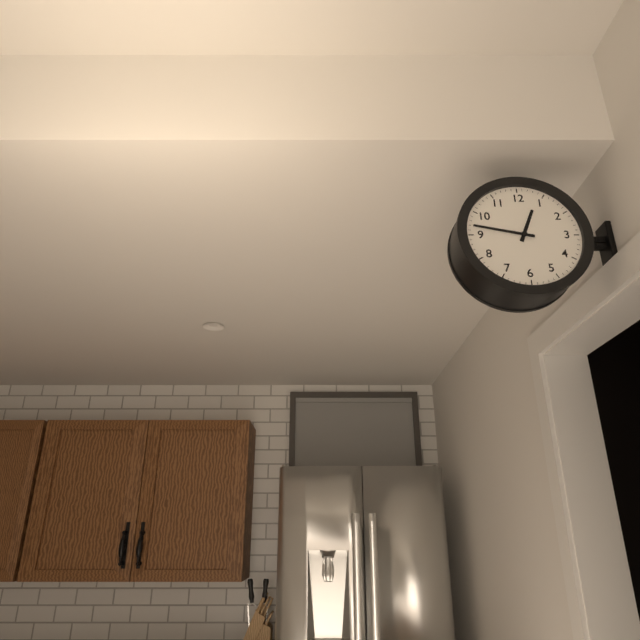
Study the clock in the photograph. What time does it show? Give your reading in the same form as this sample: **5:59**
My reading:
**12:47**
